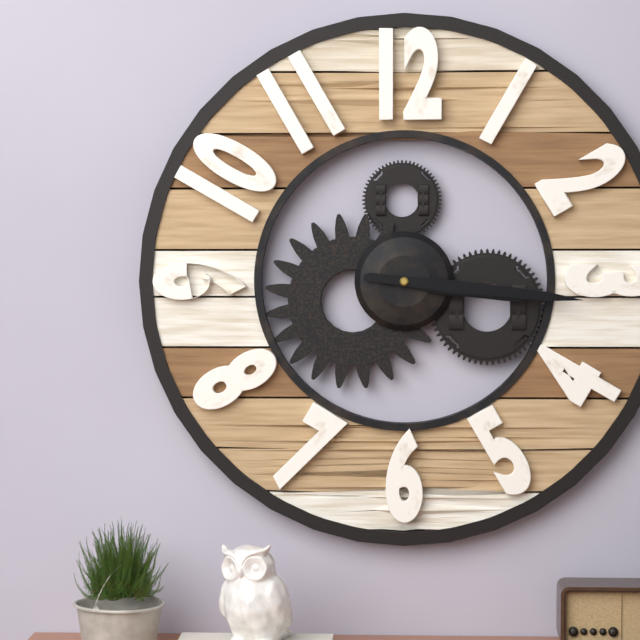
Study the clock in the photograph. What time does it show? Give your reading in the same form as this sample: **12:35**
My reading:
**3:16**
